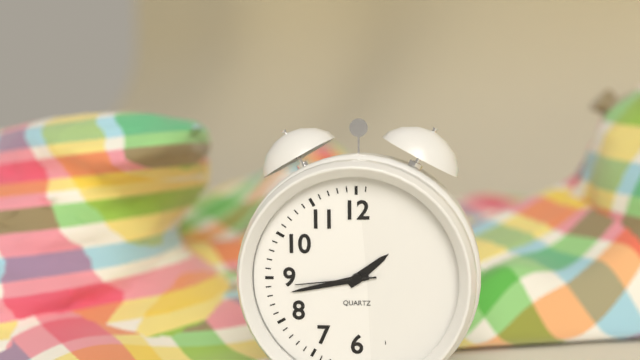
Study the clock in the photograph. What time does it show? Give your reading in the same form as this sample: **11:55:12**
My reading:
**1:43:44**
